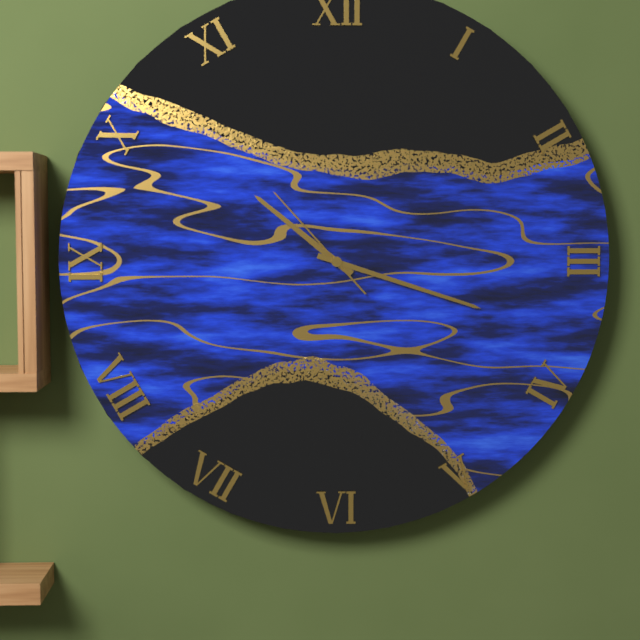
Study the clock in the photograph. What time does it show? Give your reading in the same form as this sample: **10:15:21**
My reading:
**10:18:53**
